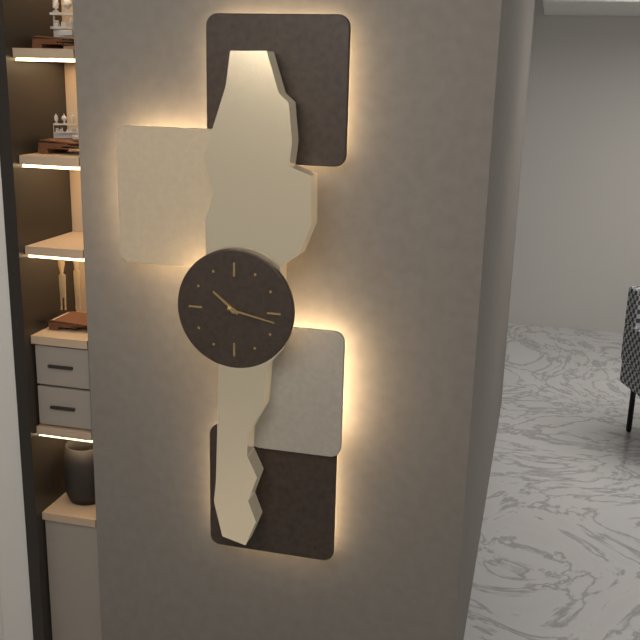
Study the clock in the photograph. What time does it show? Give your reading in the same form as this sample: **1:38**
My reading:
**10:17**
